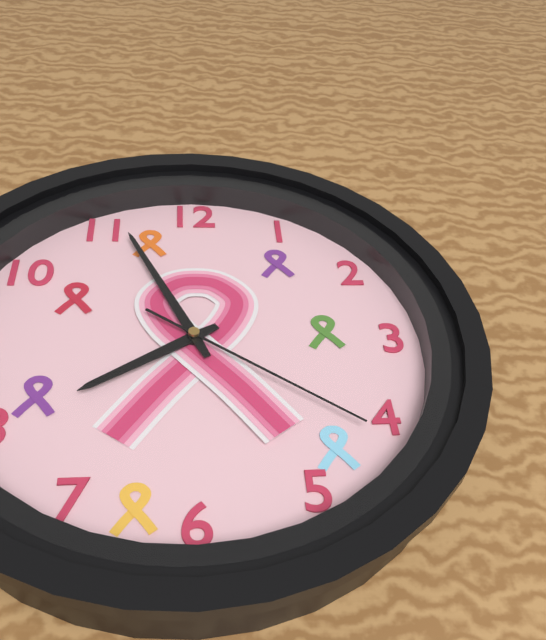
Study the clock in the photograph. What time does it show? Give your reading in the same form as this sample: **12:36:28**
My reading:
**7:56:21**
